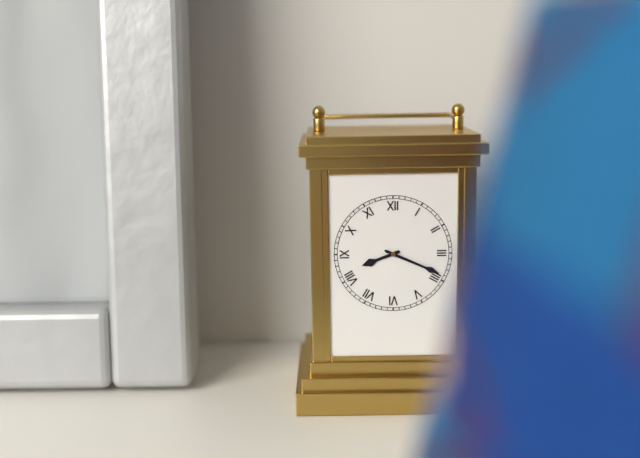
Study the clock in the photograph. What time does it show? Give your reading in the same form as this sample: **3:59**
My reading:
**8:19**
